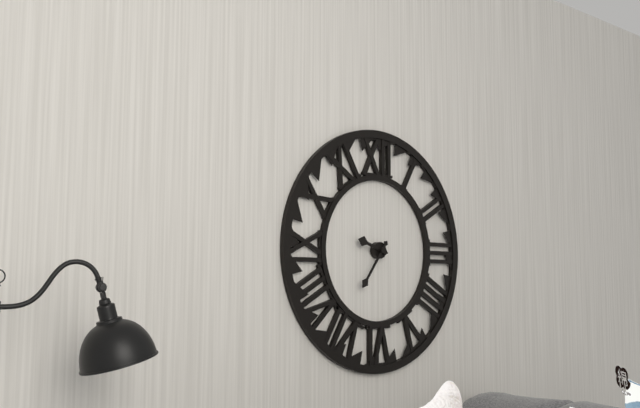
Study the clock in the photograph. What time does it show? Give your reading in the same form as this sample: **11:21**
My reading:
**9:36**
